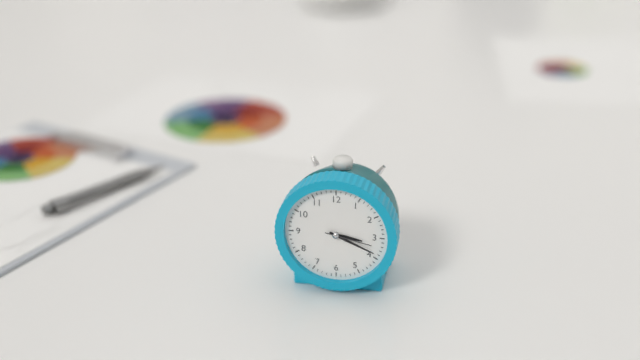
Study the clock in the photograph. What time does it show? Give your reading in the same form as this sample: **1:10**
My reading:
**3:19**
